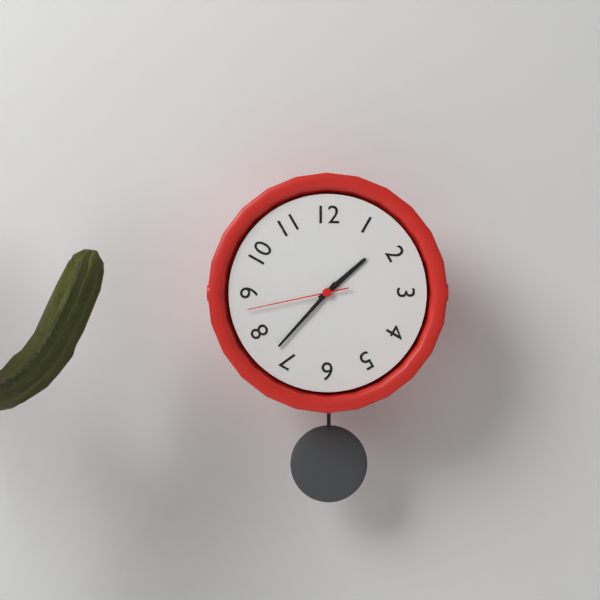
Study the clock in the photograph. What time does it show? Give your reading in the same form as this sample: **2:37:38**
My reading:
**1:37:43**
